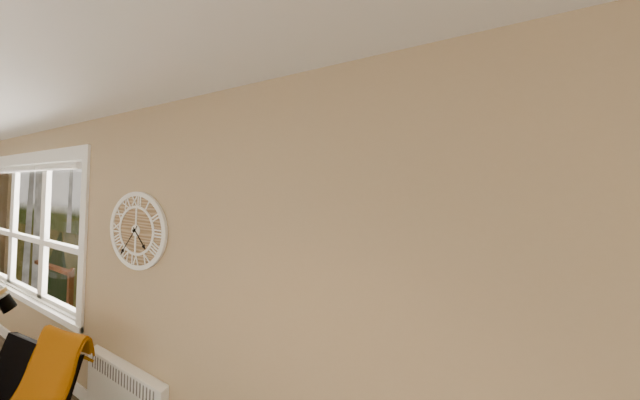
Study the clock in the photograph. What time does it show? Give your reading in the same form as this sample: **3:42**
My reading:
**4:36**
